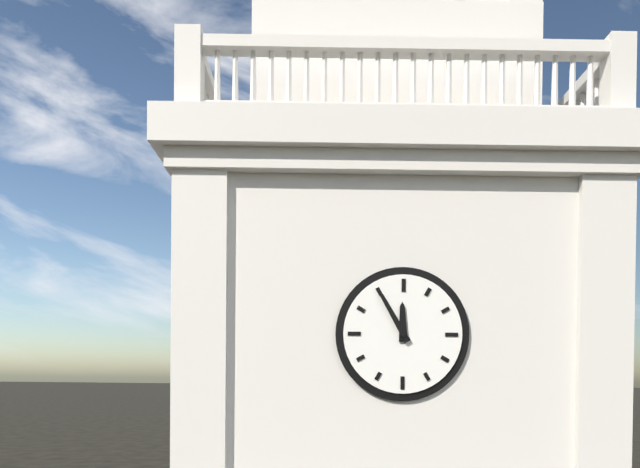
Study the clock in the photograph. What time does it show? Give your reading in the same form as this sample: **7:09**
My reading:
**11:55**
